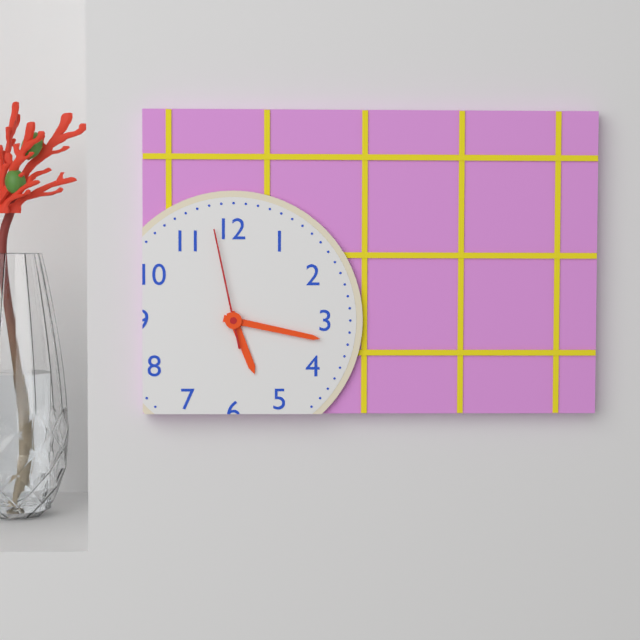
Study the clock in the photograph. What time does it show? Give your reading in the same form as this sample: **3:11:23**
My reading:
**5:17:58**
